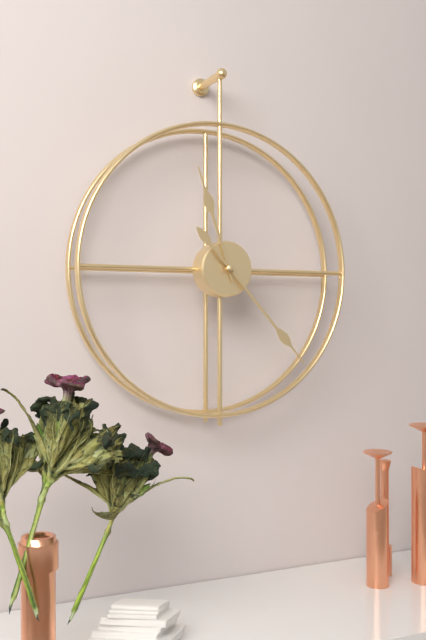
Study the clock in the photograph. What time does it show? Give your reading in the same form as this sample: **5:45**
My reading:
**11:23**
